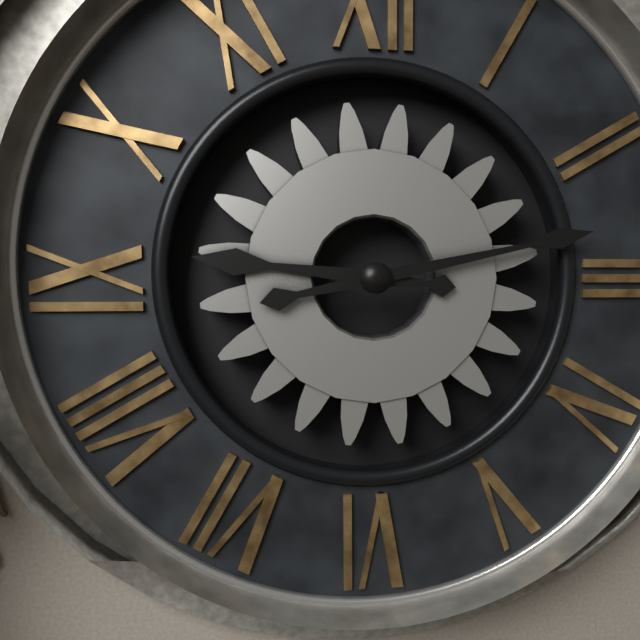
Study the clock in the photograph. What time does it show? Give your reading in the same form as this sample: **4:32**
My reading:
**9:13**
